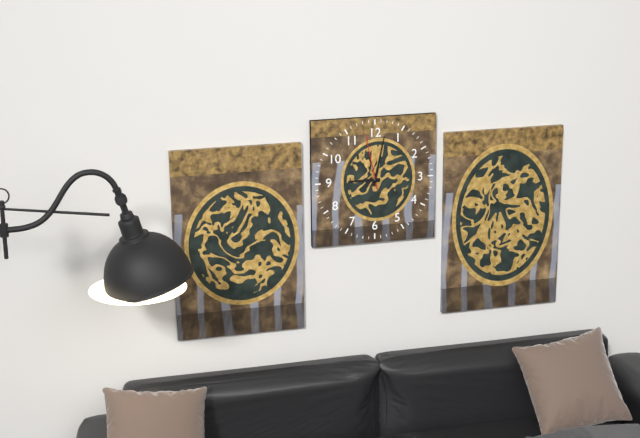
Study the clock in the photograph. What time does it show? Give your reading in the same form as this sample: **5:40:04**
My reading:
**9:02:58**
